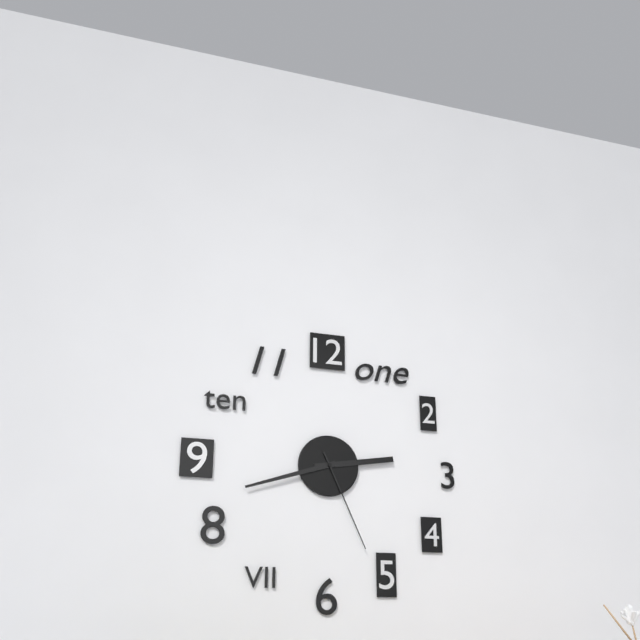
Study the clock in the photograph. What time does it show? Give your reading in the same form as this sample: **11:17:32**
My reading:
**2:42:26**
